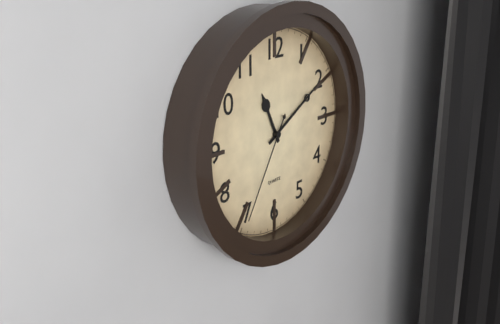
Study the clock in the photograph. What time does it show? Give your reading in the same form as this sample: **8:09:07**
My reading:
**11:10:35**
